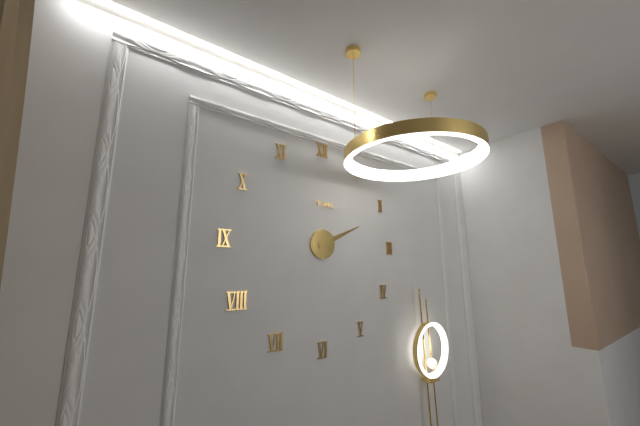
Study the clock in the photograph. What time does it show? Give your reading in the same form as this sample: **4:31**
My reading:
**2:11**
